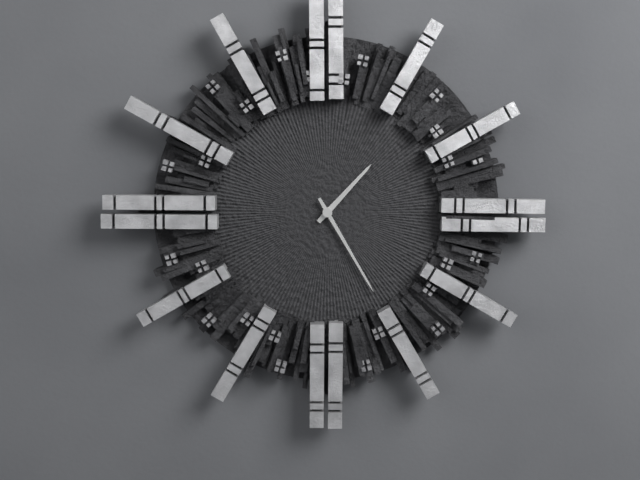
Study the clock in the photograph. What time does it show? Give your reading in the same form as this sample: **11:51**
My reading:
**1:25**
